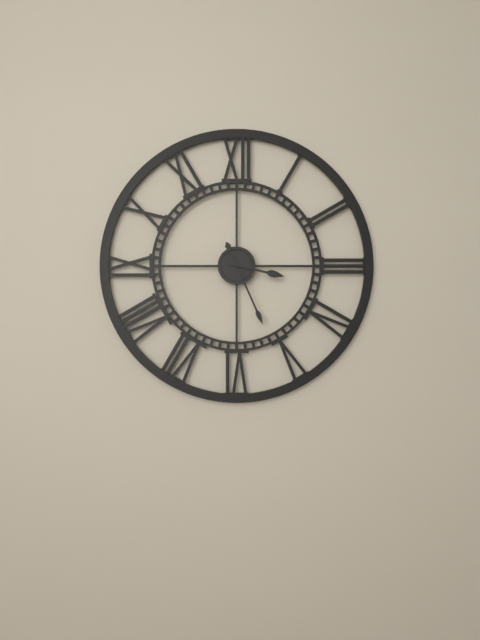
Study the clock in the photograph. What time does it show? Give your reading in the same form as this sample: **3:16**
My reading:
**3:26**
